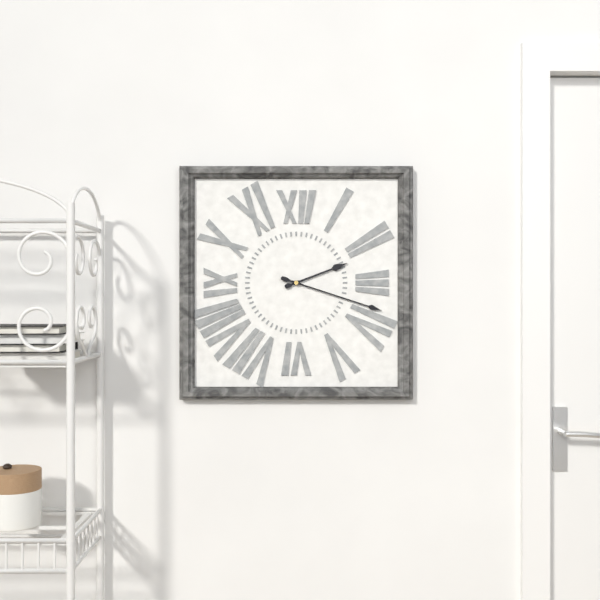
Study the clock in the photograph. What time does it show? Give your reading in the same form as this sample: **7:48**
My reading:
**2:18**
